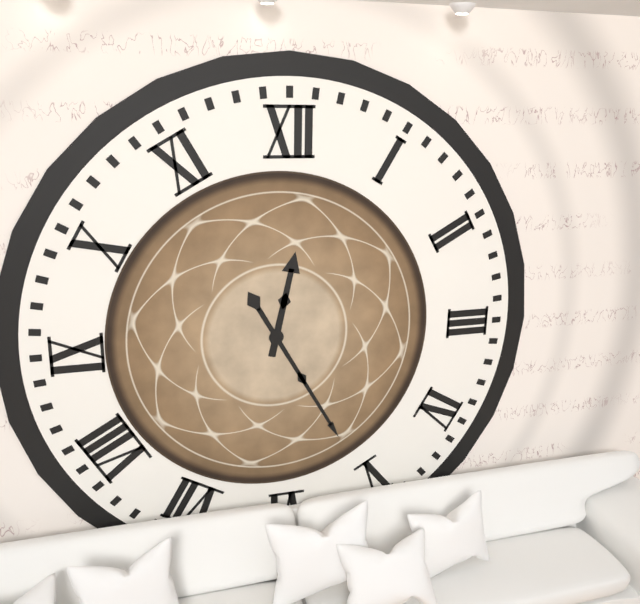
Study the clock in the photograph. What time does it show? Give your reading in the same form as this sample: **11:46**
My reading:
**12:25**
